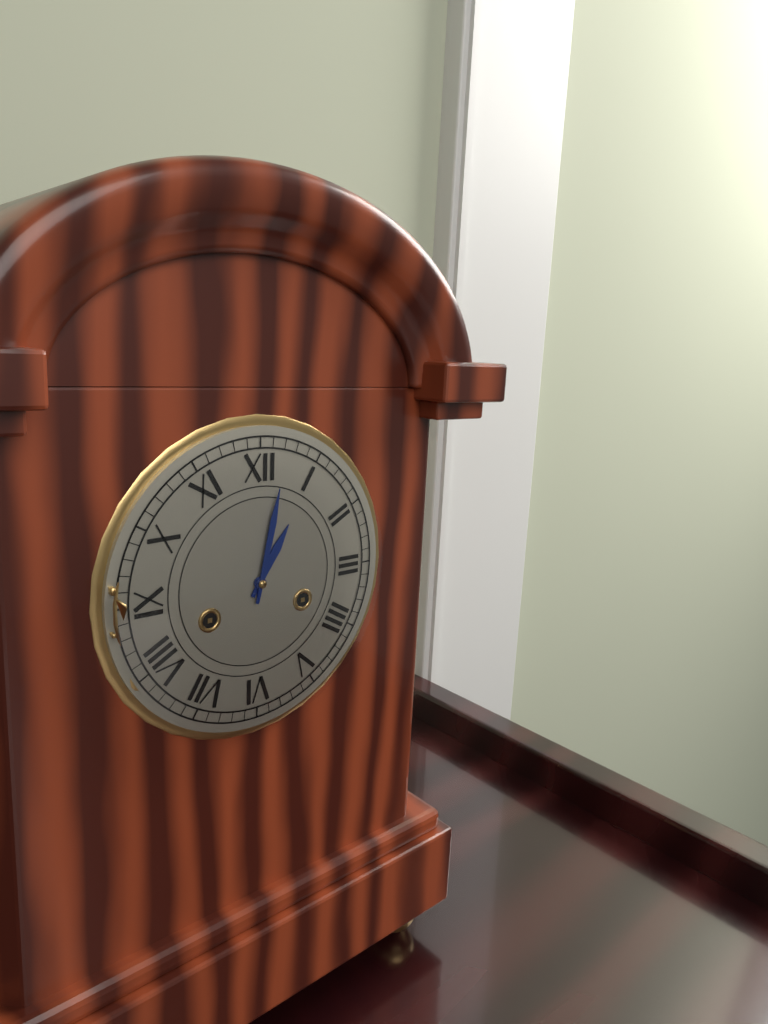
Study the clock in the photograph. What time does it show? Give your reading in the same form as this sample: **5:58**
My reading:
**1:02**
